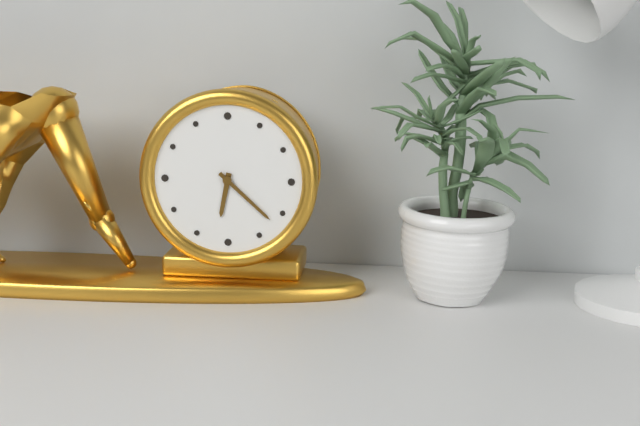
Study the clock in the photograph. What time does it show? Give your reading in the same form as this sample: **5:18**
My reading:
**6:22**
